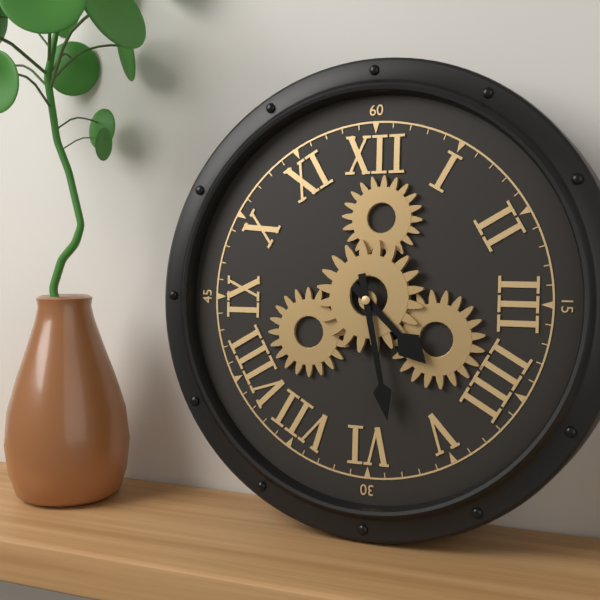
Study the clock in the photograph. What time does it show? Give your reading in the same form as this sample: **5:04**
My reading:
**4:28**
